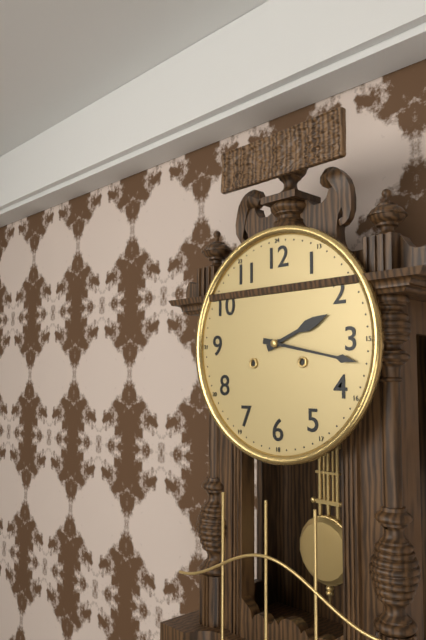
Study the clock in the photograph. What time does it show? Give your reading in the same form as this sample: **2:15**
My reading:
**2:17**
